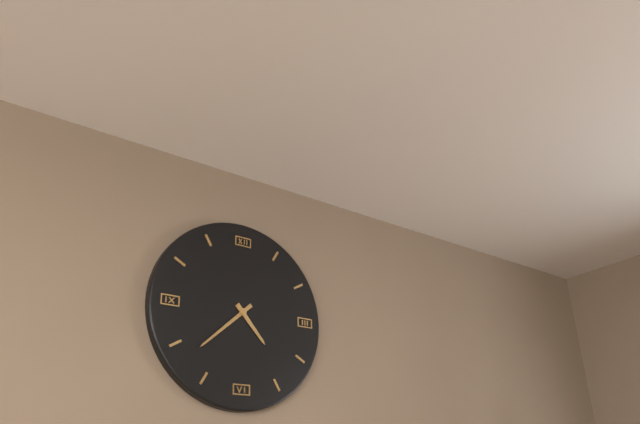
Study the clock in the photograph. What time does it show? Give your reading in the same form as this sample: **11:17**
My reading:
**4:38**
